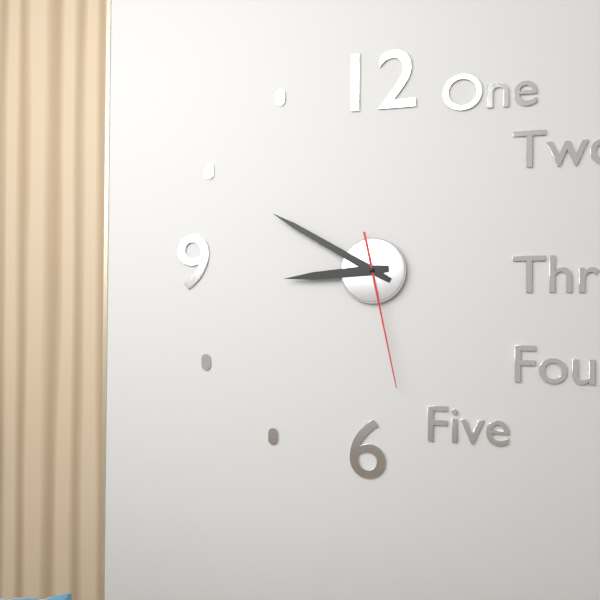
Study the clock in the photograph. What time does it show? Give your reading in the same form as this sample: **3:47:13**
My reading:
**8:50:28**
